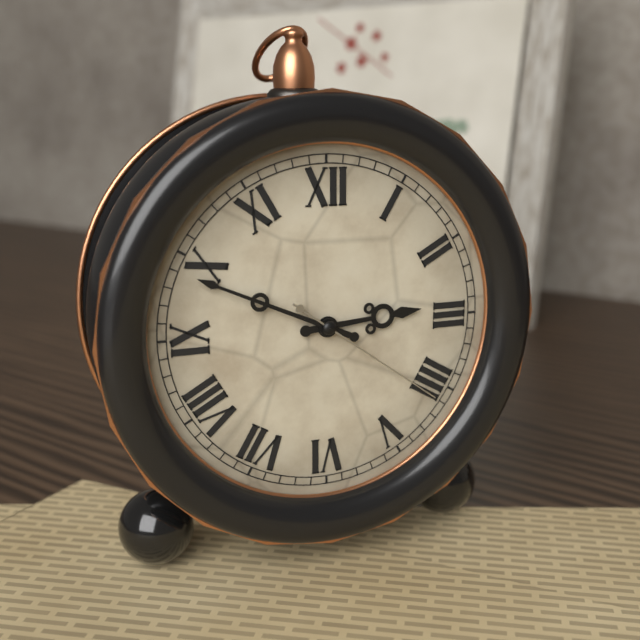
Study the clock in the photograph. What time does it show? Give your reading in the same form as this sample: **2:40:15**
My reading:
**2:49:21**
